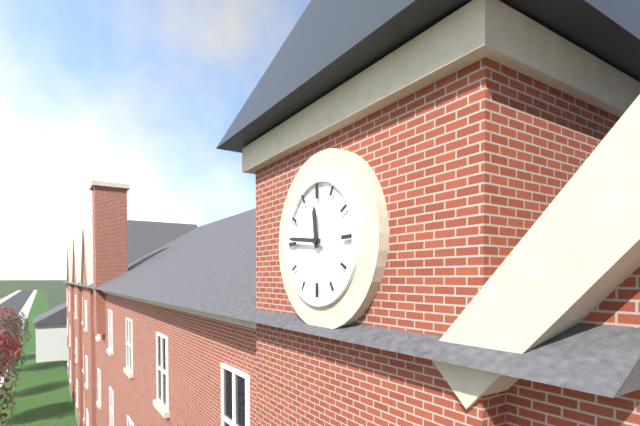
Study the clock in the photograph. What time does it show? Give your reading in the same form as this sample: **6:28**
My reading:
**11:46**
